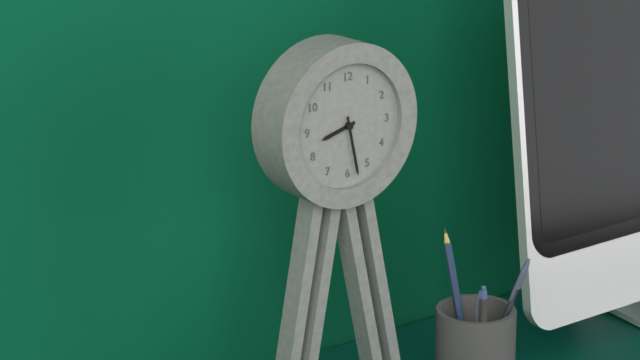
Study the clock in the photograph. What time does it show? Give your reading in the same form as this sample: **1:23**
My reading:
**8:28**
